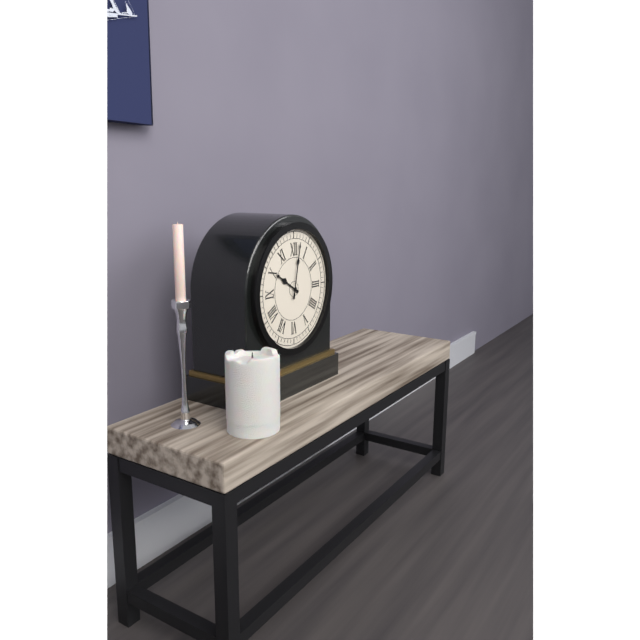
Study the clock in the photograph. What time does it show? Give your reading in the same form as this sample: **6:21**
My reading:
**10:02**
